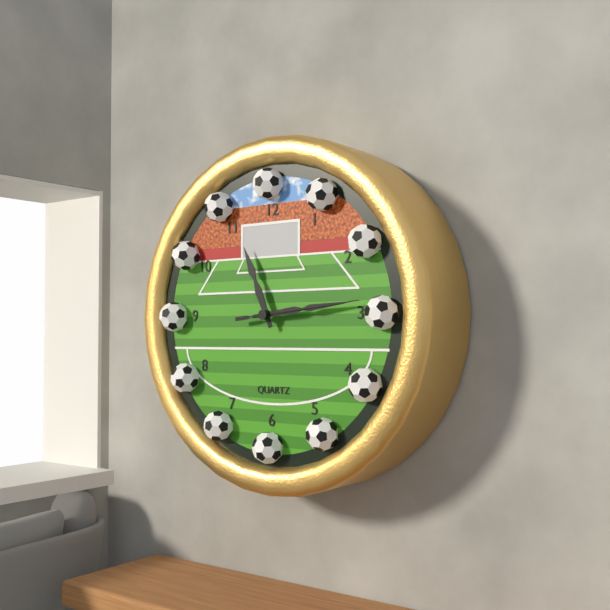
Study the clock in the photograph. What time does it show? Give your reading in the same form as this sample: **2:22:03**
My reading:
**11:14:14**
